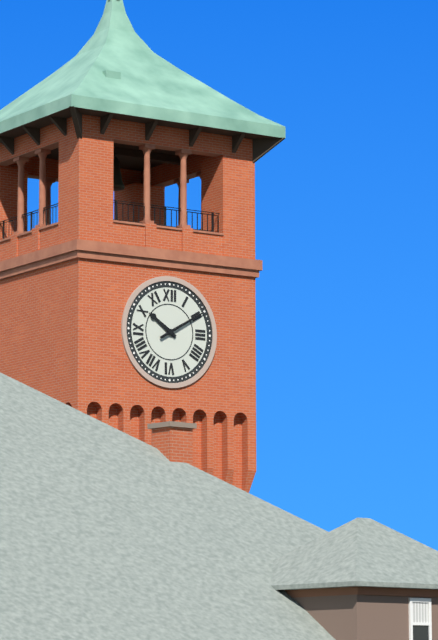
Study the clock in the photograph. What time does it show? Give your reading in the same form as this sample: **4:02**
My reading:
**10:10**
